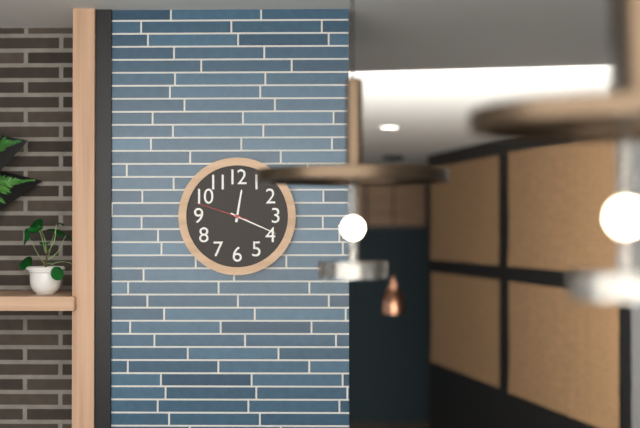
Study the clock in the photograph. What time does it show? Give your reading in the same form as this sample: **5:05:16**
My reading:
**12:19:48**
